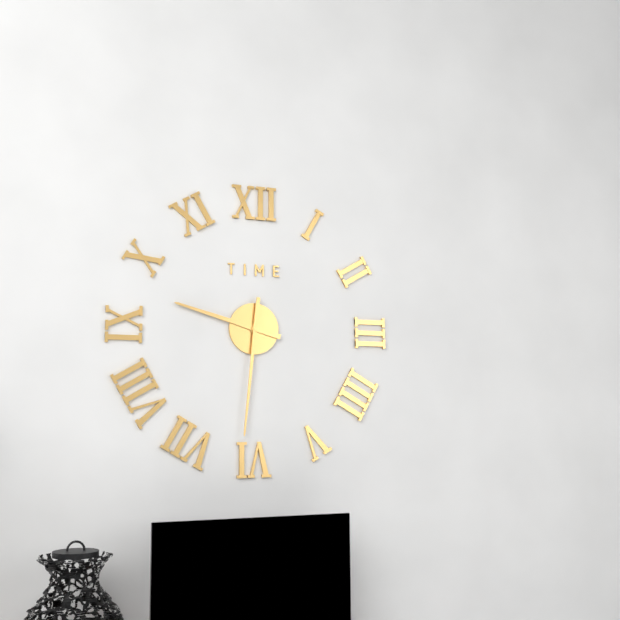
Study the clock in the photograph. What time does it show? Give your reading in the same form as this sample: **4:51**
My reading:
**9:31**
